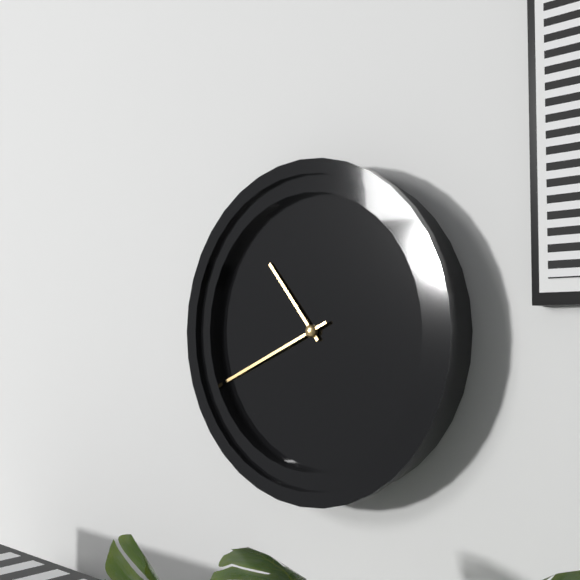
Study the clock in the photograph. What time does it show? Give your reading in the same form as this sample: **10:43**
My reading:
**10:41**
